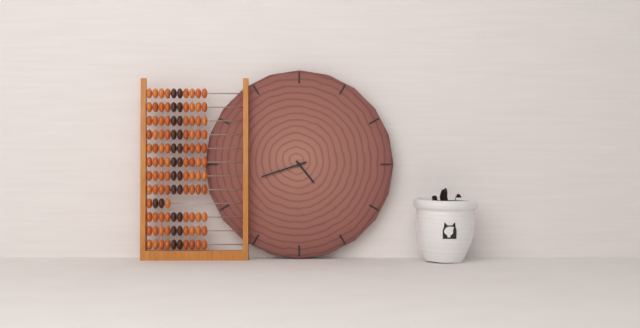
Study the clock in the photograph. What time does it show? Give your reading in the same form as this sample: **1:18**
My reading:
**4:42**
